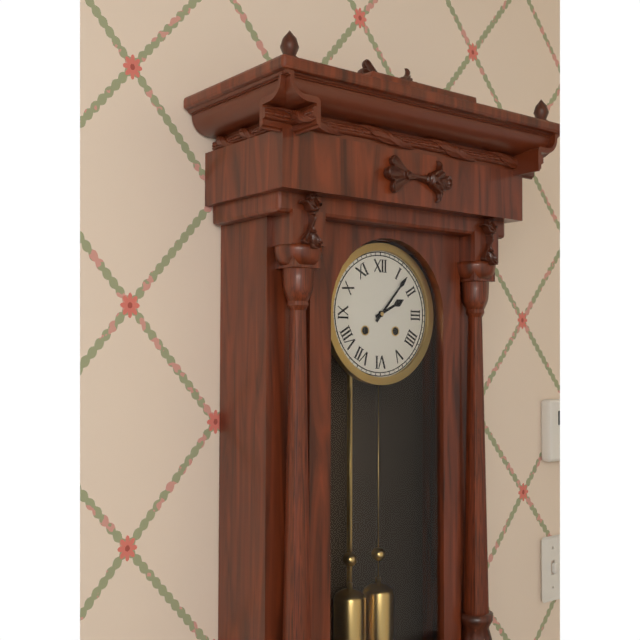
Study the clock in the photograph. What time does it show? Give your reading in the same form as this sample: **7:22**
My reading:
**2:07**
